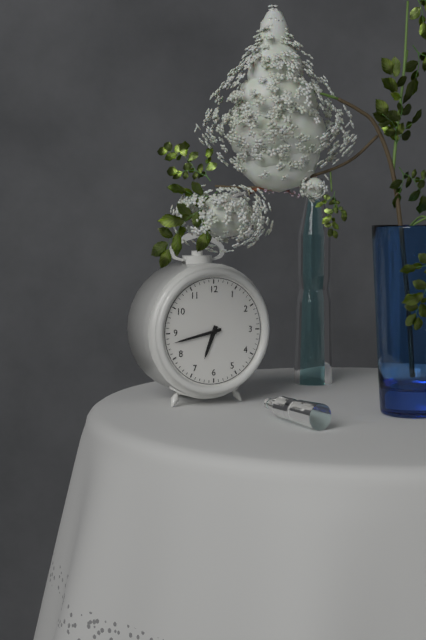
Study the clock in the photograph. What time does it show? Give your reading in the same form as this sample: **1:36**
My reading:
**6:43**
